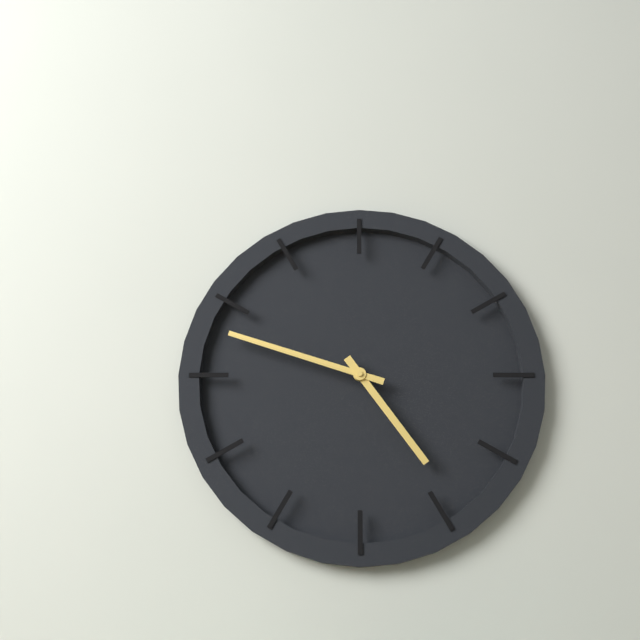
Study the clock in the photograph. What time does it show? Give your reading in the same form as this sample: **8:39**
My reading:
**4:48**
